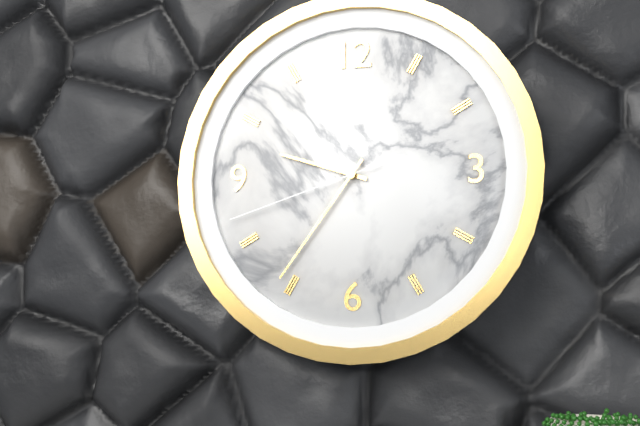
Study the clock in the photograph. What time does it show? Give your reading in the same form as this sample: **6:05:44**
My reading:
**9:36:42**
